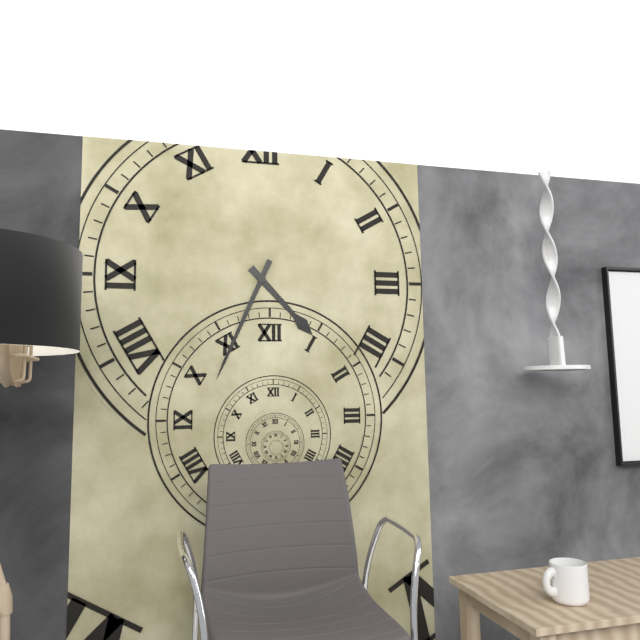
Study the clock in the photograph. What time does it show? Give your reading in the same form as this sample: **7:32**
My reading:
**4:34**
